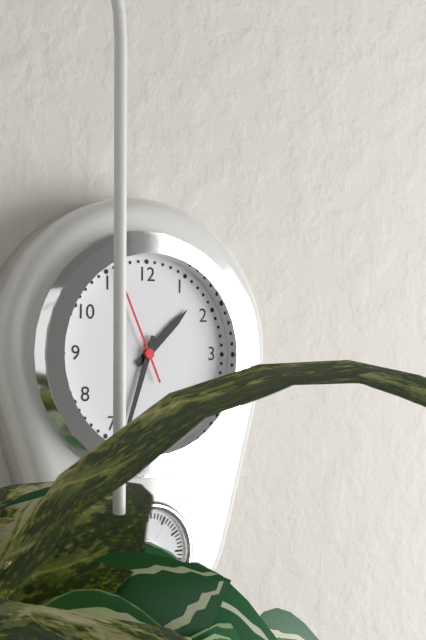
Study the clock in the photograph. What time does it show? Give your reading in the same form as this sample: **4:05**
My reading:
**1:33**
